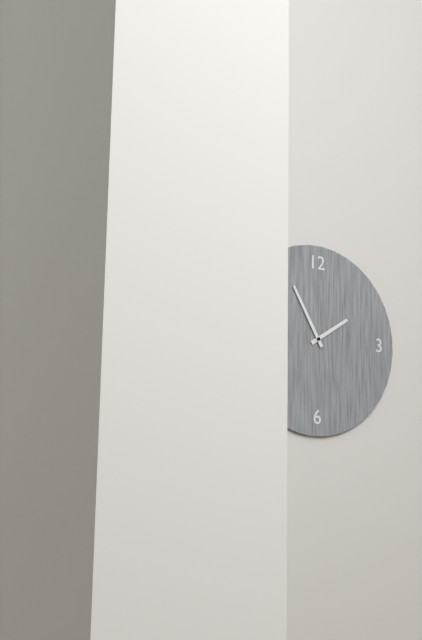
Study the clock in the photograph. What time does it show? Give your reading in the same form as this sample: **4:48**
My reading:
**1:55**
